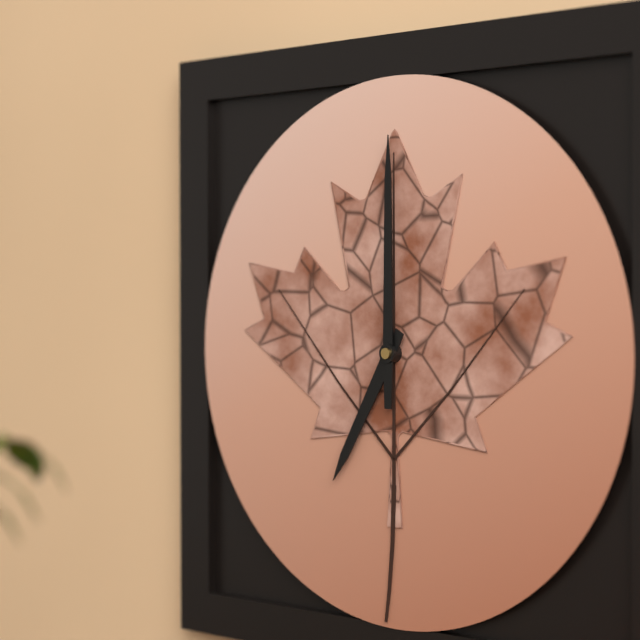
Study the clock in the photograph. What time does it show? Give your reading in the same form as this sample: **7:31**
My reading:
**7:00**
